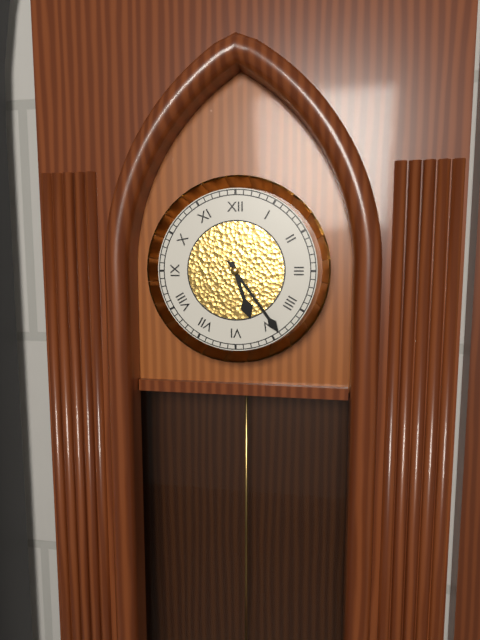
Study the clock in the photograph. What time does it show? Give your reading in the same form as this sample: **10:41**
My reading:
**5:24**
